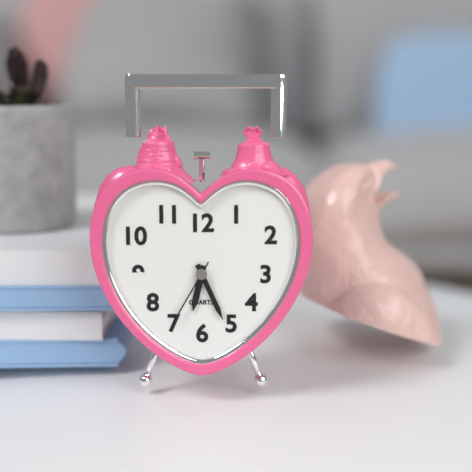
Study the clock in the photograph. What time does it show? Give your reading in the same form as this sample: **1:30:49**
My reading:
**6:26:35**
